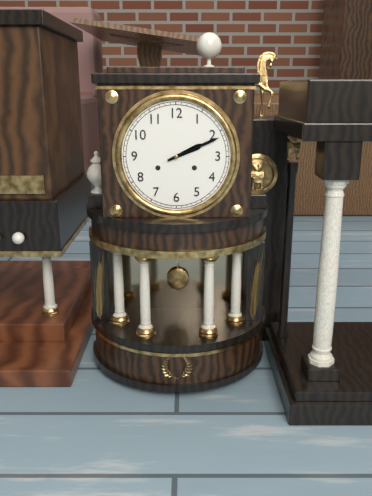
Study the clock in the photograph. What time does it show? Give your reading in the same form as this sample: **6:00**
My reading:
**2:11**
